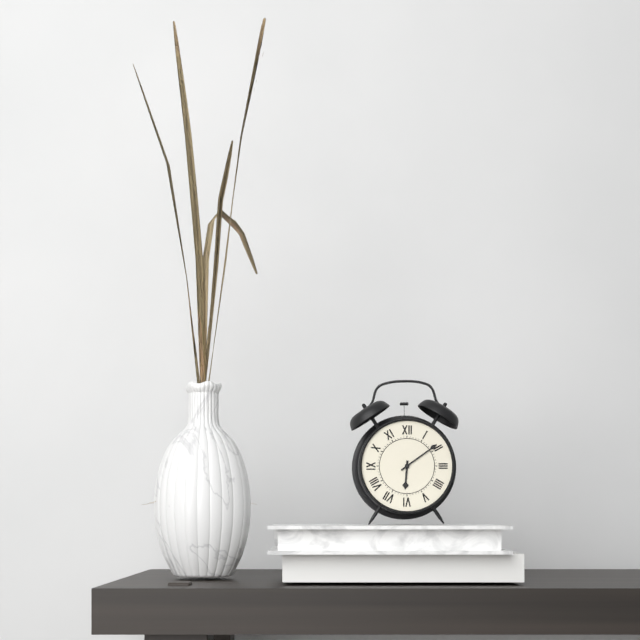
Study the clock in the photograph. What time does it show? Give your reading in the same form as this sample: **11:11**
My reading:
**6:09**
